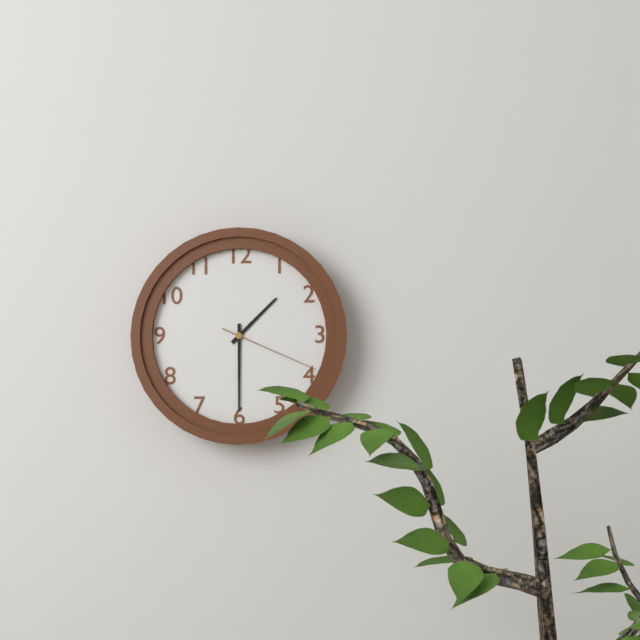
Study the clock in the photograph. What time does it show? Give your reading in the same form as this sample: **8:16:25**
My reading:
**1:30:19**
